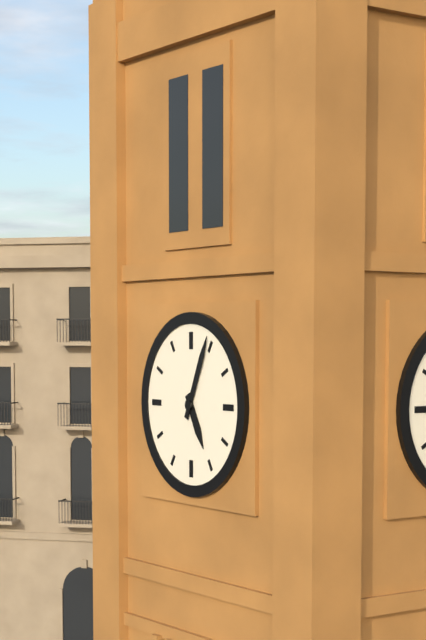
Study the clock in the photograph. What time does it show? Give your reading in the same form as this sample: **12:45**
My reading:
**5:04**
